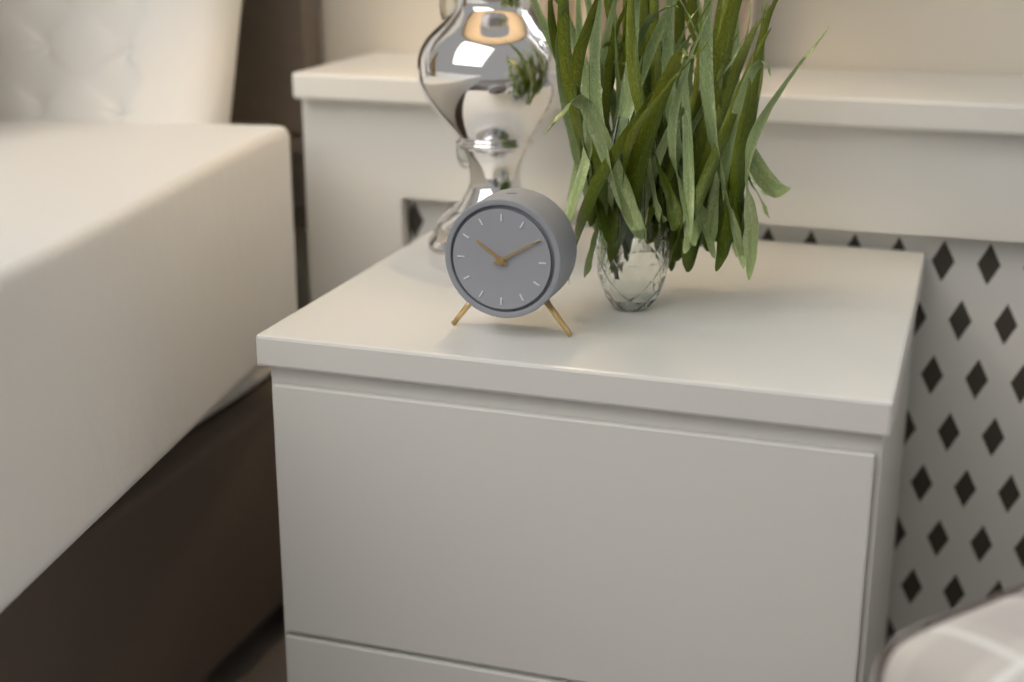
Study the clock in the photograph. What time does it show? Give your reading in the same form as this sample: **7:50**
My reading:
**10:10**
